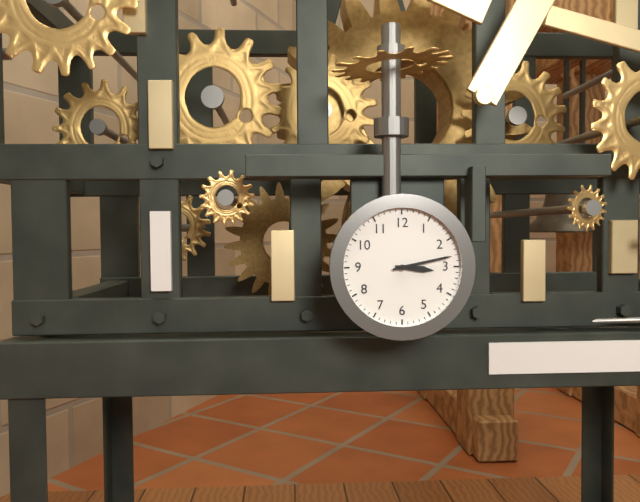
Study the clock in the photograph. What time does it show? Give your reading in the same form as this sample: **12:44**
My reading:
**3:13**
